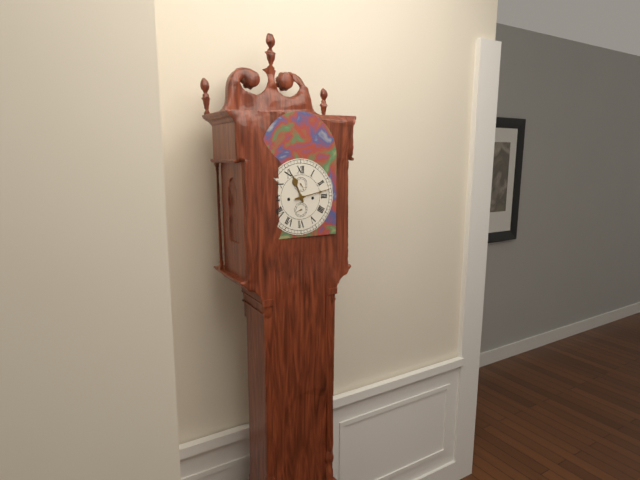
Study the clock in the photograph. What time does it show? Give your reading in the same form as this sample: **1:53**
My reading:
**11:13**
